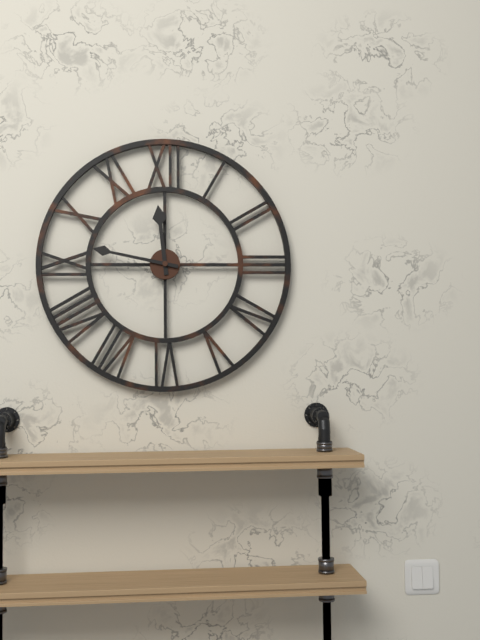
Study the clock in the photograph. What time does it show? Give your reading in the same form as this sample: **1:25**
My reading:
**11:47**
